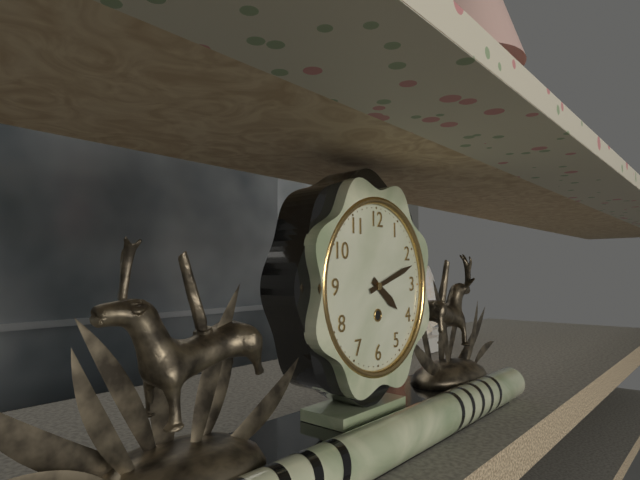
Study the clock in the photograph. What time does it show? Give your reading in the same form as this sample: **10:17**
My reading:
**4:12**
